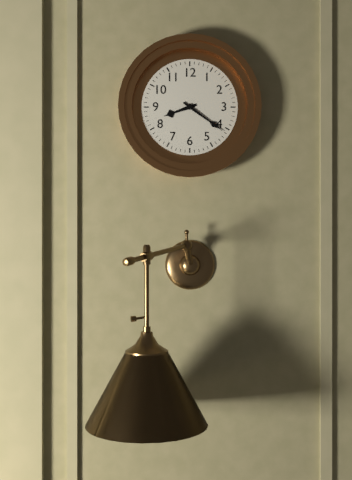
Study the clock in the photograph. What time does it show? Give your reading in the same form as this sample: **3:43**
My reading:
**8:21**
